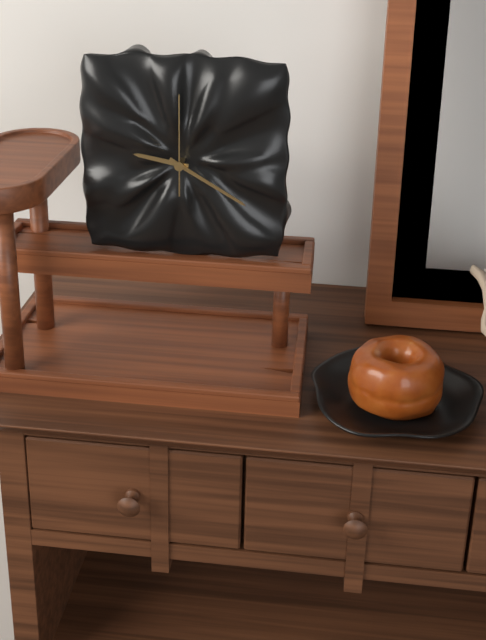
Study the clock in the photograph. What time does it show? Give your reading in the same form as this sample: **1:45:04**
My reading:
**9:20:00**
